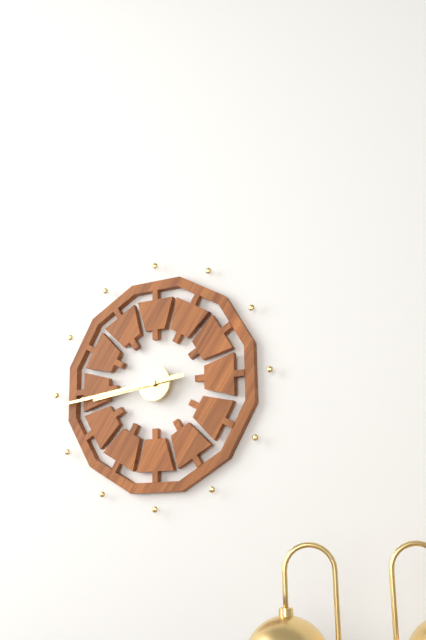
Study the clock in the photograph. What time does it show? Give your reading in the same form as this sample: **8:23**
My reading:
**8:44**
